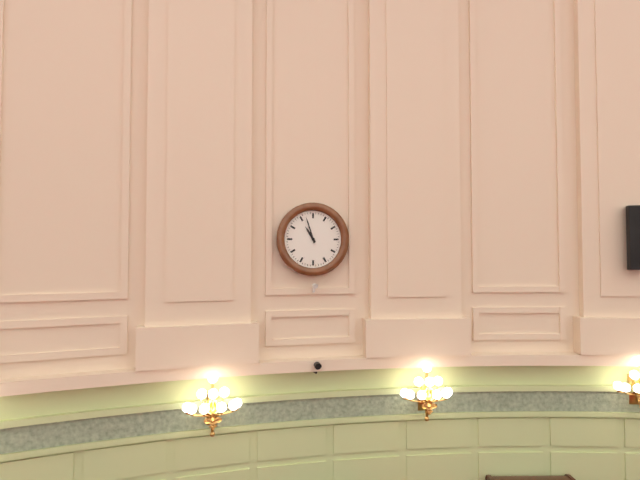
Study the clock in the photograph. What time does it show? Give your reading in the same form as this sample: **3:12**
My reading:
**10:57**
